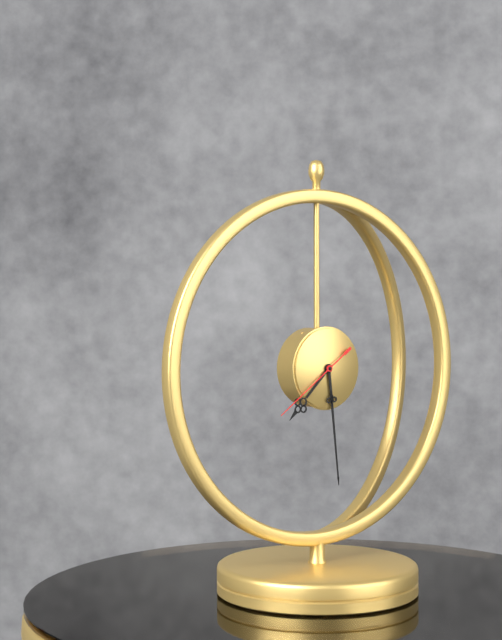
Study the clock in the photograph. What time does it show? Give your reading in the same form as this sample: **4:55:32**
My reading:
**7:29:39**
